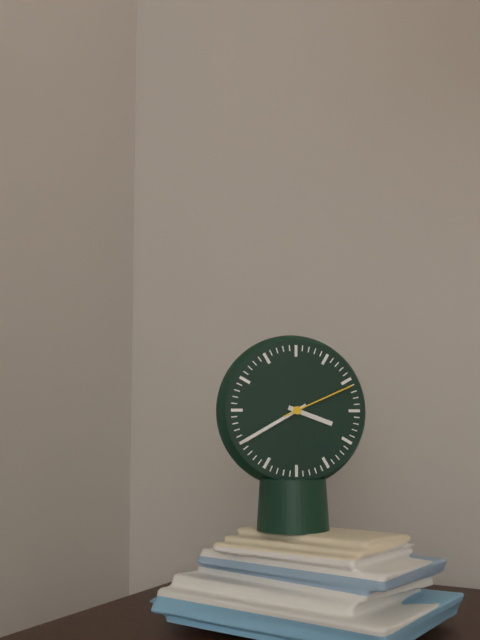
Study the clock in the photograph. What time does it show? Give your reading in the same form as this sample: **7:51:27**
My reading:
**3:40:11**
